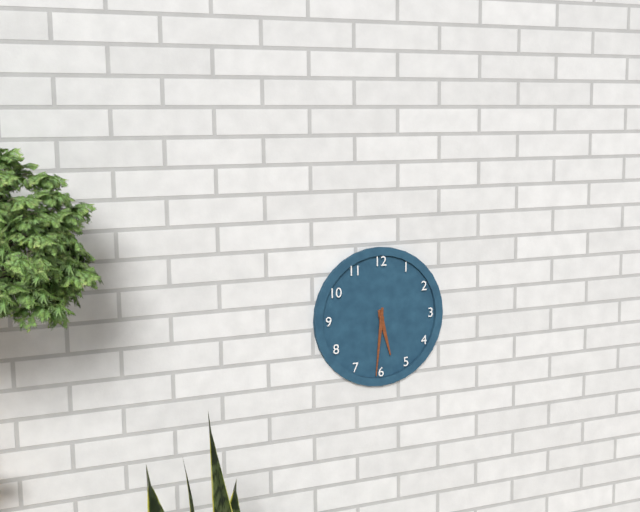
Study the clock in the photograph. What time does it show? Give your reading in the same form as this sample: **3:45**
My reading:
**5:31**
